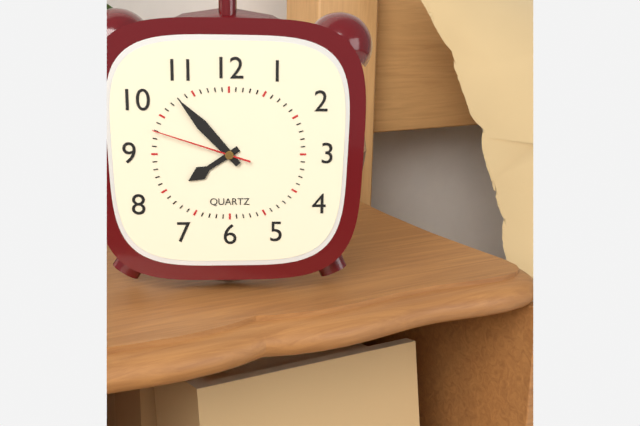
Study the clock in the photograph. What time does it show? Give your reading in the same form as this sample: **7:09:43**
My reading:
**7:53:48**
